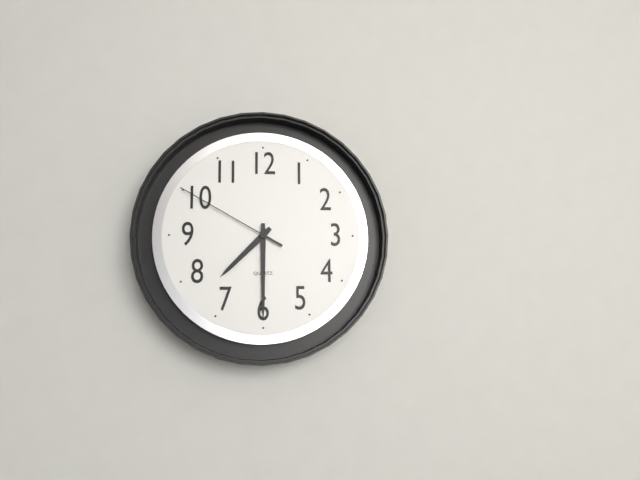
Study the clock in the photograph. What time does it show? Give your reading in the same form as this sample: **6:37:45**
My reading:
**7:30:50**
